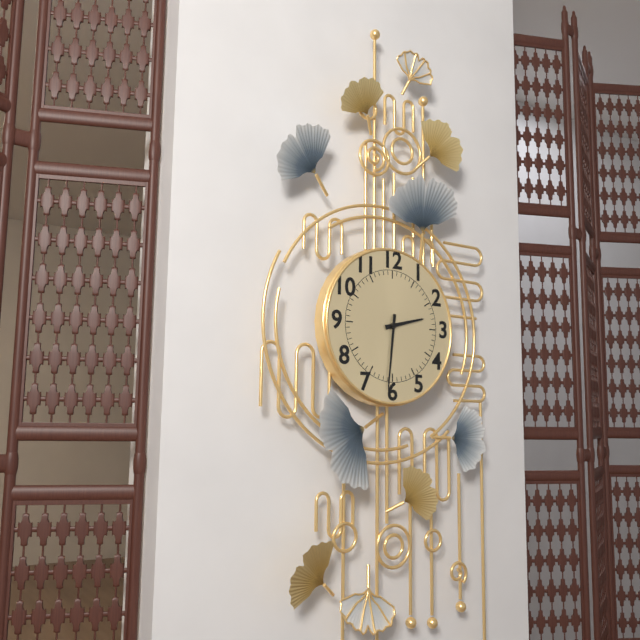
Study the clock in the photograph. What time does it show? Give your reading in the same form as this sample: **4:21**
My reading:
**2:31**
